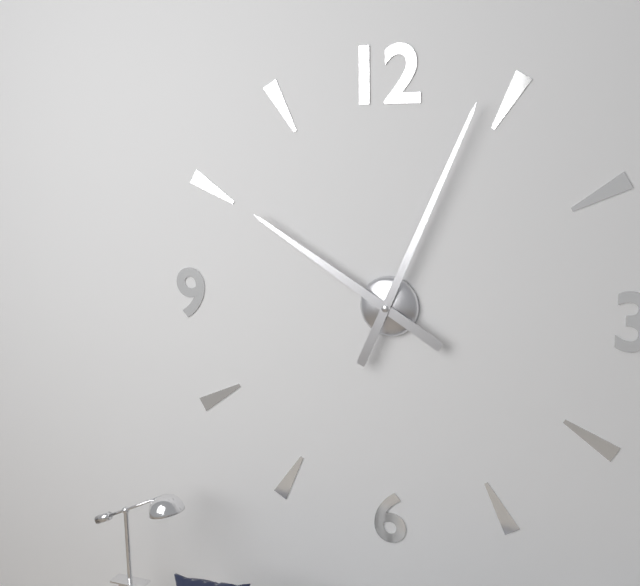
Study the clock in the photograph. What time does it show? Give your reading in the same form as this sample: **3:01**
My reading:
**10:04**
